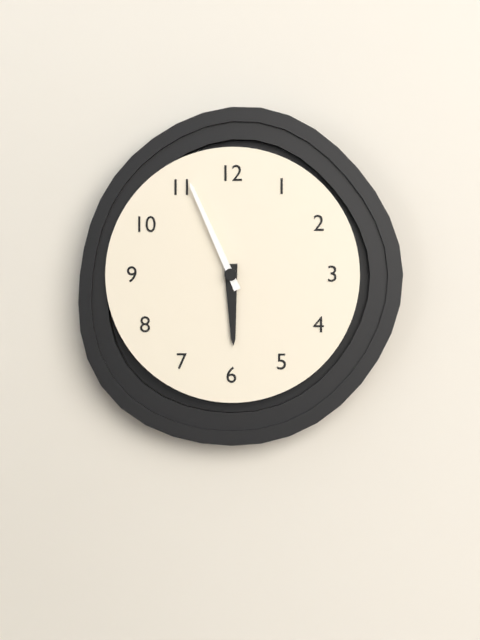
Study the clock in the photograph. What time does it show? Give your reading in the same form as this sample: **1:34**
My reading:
**5:56**
